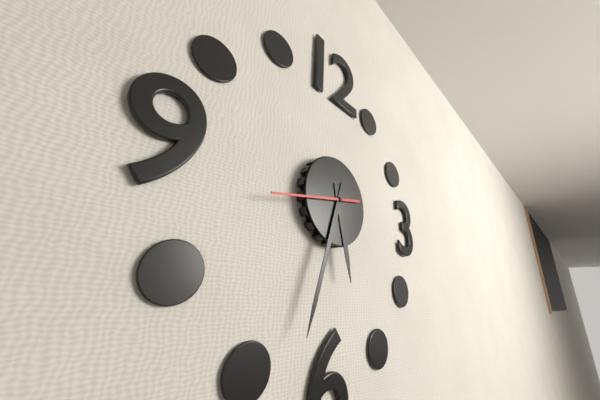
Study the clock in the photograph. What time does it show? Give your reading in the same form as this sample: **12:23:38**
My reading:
**5:33:43**
